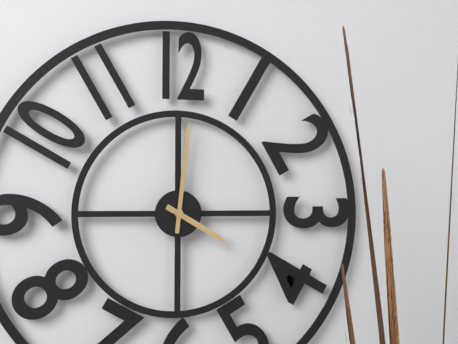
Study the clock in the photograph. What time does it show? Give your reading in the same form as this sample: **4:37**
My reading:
**4:01**
